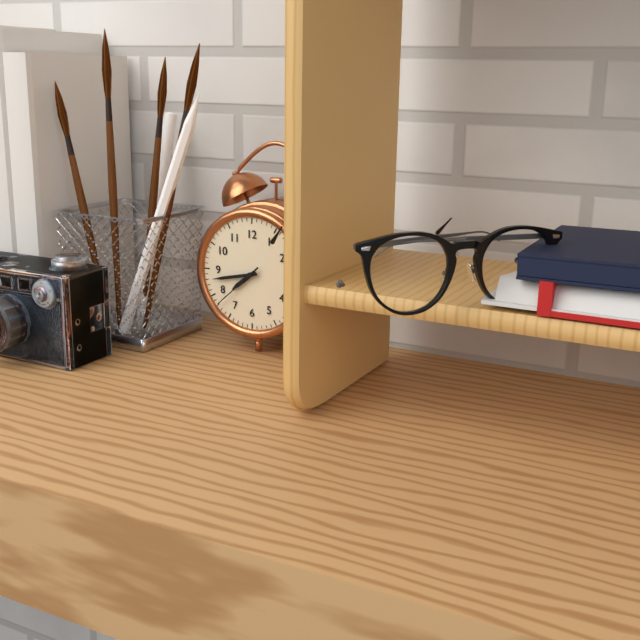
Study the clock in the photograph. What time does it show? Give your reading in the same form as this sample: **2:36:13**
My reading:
**7:43:38**
